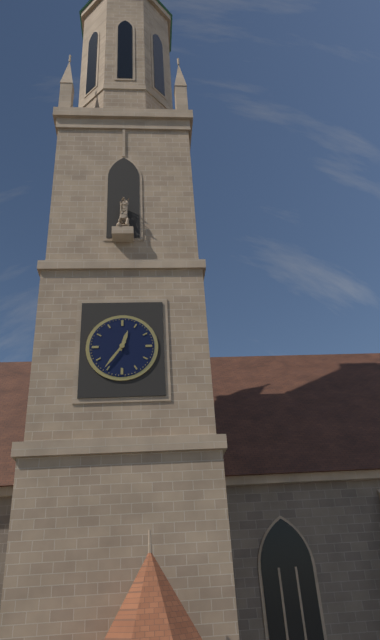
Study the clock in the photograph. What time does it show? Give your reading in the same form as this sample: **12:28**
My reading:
**12:36**
